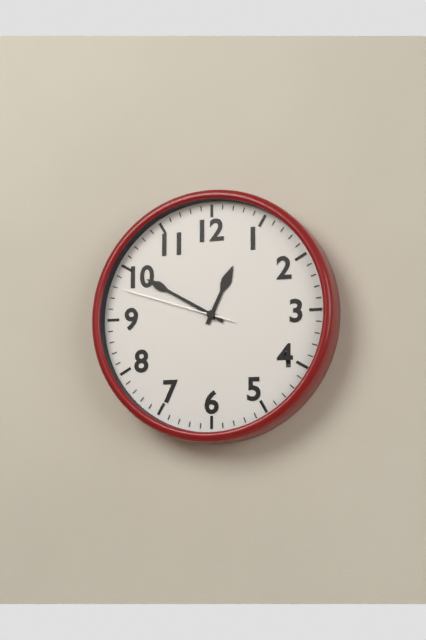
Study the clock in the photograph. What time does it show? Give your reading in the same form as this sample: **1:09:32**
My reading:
**12:50:48**
